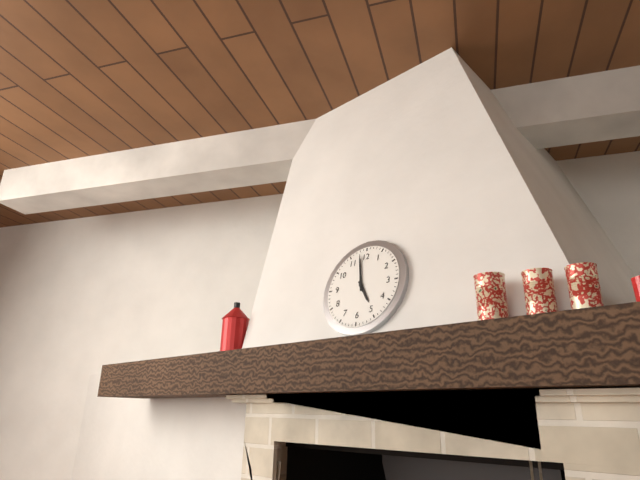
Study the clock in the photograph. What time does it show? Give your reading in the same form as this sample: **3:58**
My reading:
**4:58**
